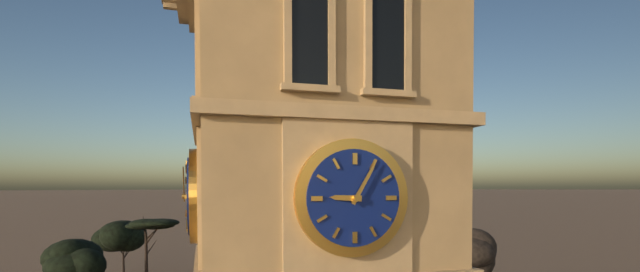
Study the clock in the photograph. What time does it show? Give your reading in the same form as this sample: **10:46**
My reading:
**9:05**
